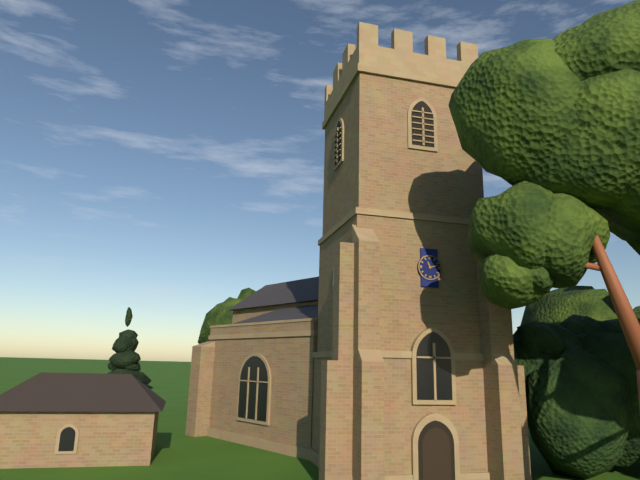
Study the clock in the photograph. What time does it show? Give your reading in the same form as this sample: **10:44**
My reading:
**11:12**
